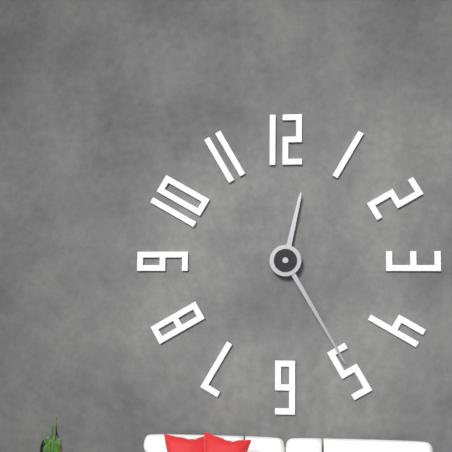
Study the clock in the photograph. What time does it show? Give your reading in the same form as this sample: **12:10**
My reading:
**12:25**
